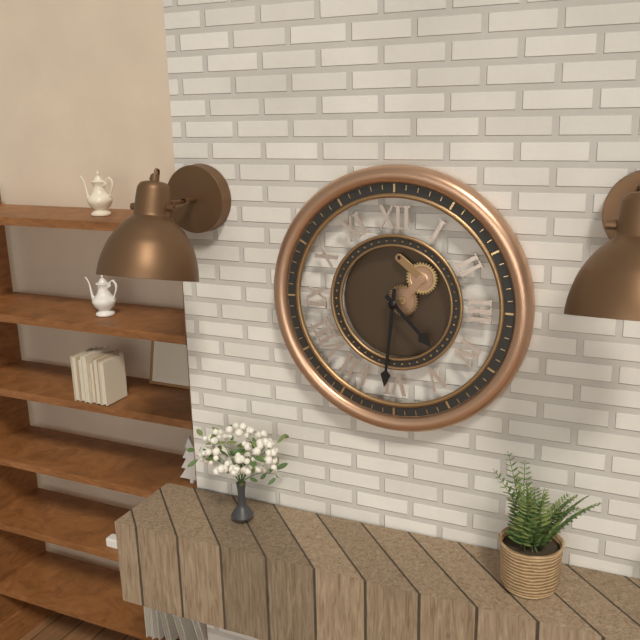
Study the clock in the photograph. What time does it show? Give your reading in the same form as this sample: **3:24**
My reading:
**4:31**
